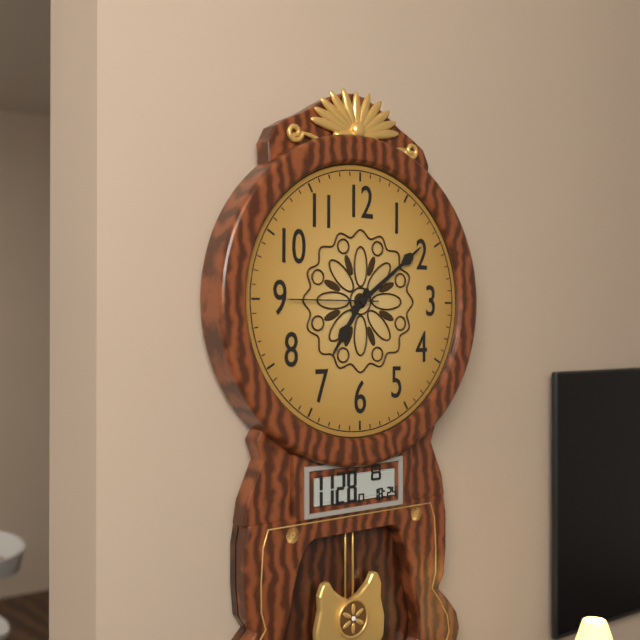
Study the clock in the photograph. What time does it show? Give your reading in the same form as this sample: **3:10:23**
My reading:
**7:09:45**
